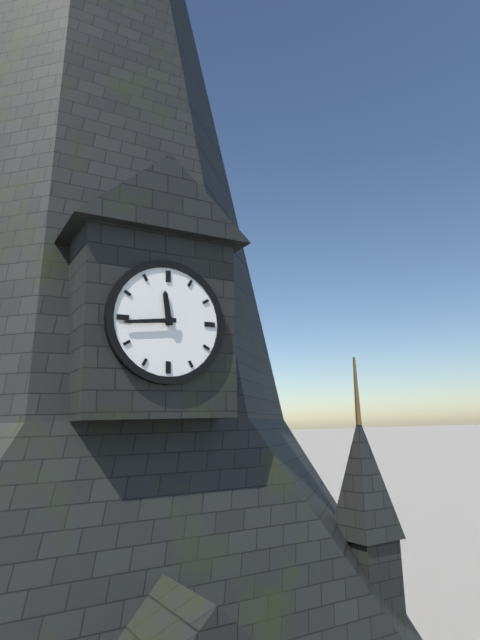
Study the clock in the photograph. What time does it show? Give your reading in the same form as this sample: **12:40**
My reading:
**11:44**
